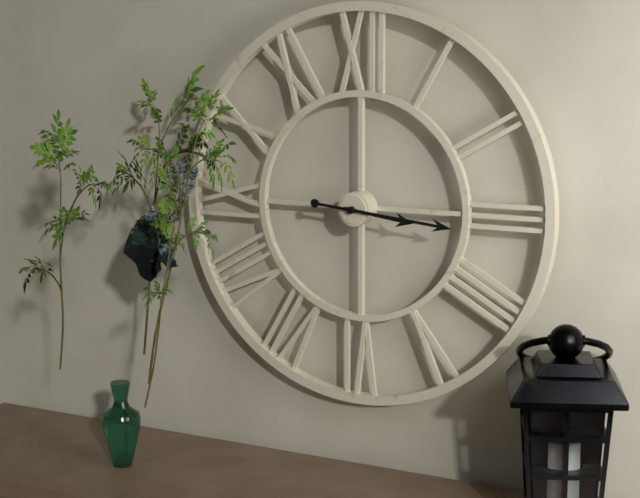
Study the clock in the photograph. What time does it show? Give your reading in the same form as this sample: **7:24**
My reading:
**3:16**
